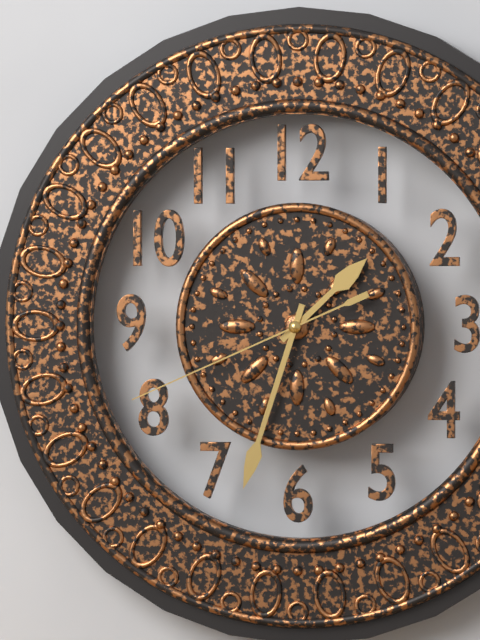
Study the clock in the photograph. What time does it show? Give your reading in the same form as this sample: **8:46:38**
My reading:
**1:33:41**
